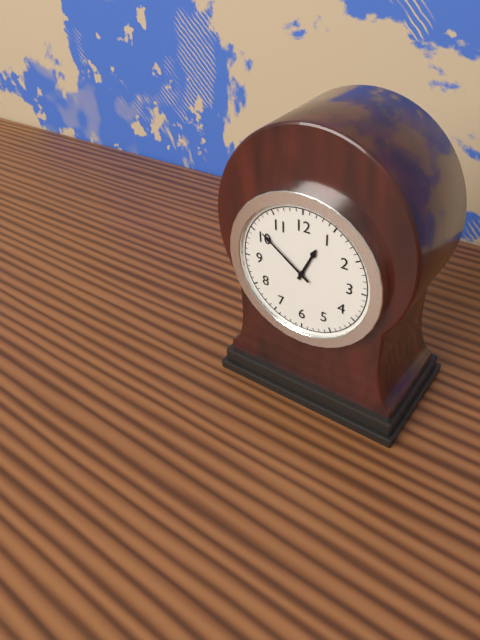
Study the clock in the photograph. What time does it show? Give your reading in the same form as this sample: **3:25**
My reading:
**12:51**
